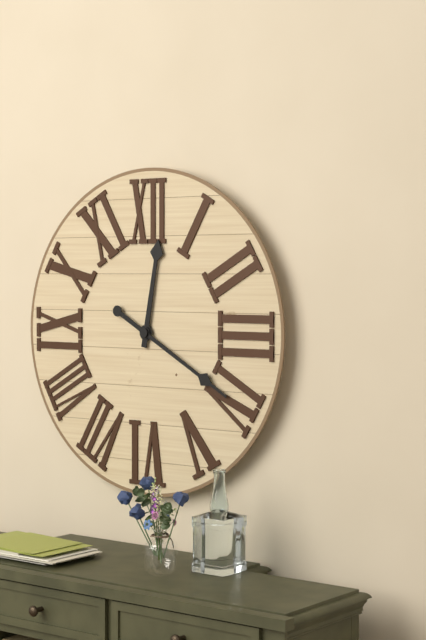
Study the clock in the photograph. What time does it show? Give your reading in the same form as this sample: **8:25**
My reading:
**12:20**
